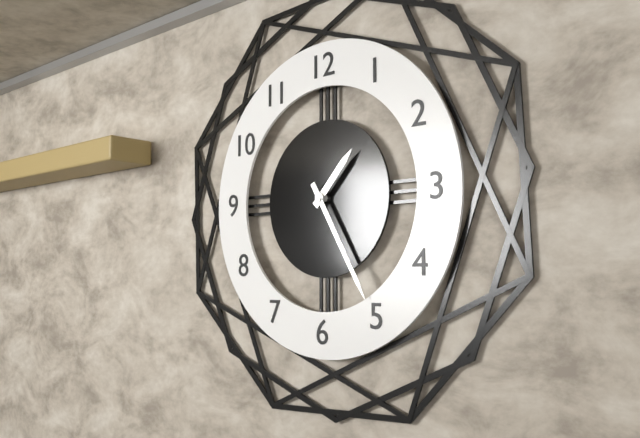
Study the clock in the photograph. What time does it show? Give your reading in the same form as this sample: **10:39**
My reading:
**1:25**
